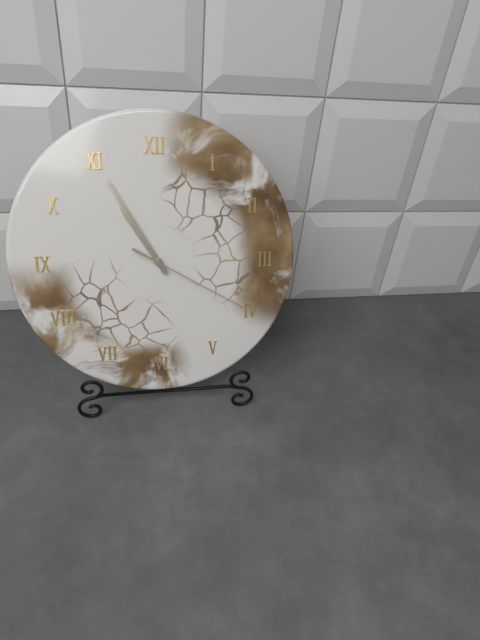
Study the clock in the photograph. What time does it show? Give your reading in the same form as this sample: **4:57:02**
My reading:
**10:55:20**
